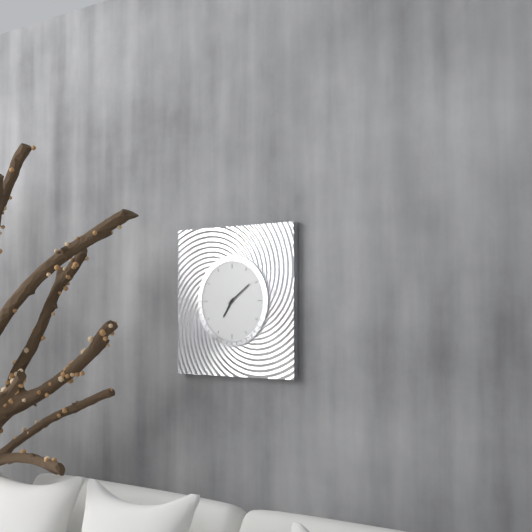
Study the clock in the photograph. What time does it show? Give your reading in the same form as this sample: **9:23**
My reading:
**7:09**
